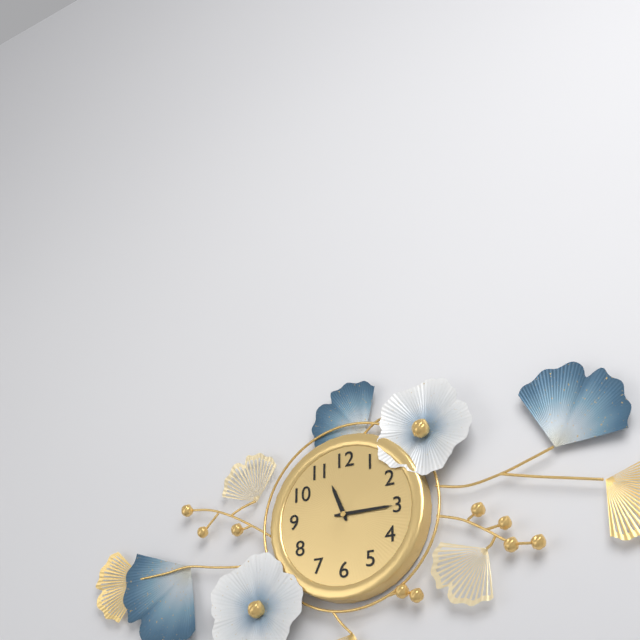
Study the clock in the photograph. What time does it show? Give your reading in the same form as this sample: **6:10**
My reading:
**11:15**
